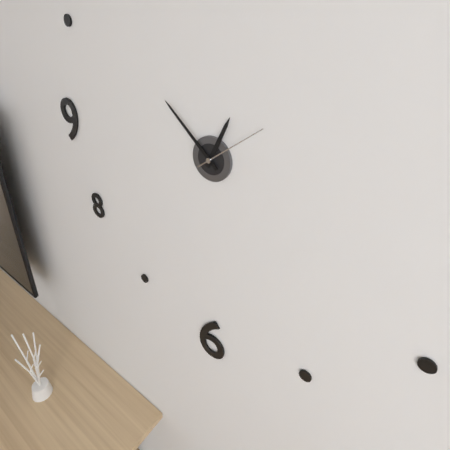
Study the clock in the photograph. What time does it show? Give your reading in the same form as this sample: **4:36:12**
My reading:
**12:52:09**
